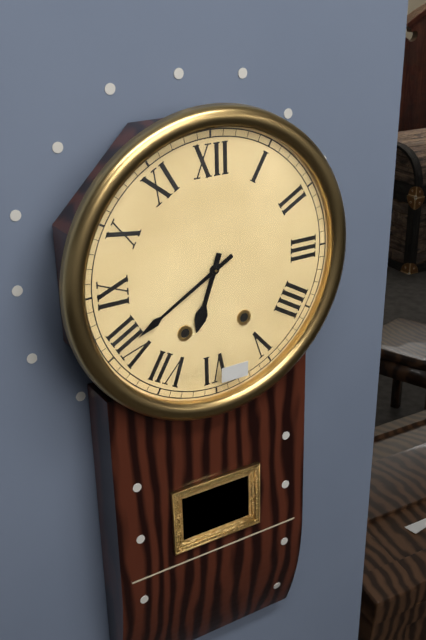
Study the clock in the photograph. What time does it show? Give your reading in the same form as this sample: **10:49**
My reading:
**6:40**
